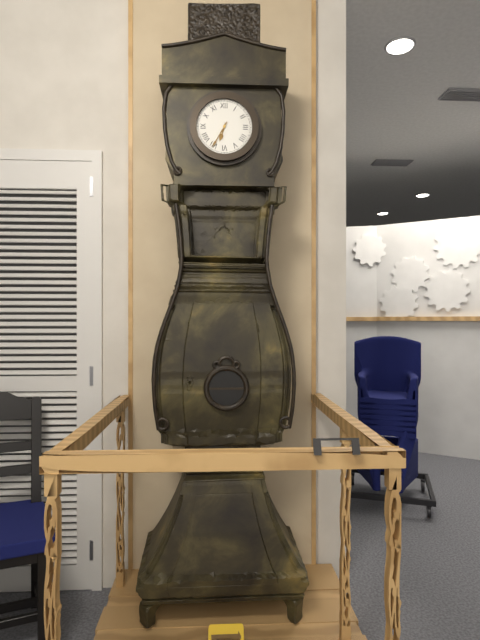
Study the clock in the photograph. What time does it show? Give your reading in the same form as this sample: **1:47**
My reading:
**6:35**
